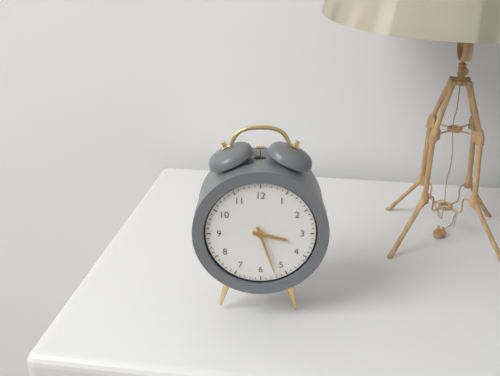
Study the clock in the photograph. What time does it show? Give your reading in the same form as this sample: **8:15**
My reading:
**3:27**
